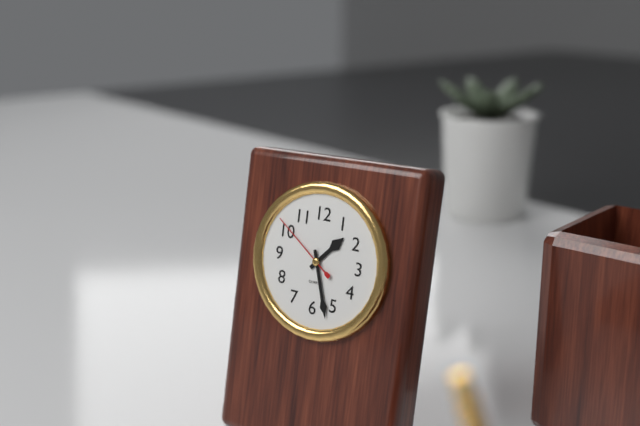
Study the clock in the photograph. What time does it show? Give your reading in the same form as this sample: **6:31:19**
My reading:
**1:27:51**
